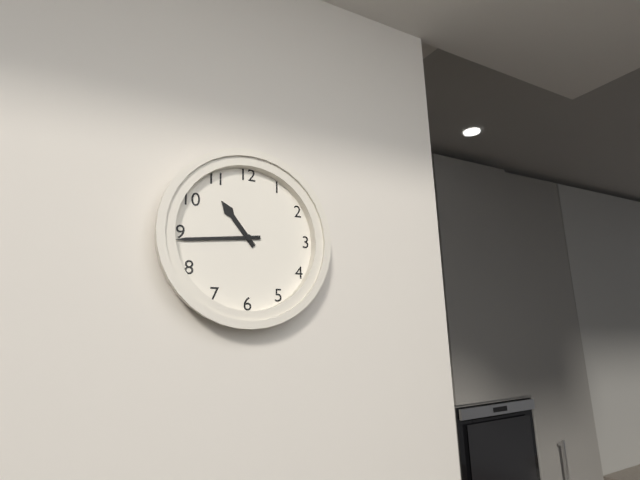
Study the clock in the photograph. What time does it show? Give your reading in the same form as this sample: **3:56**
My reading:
**10:44**
